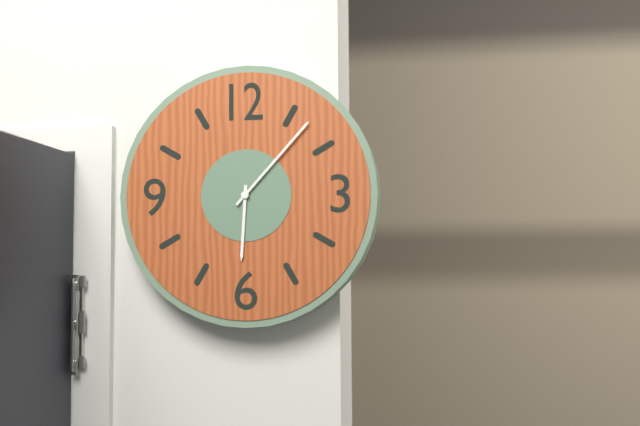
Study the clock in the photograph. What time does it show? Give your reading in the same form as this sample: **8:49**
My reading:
**6:07**
